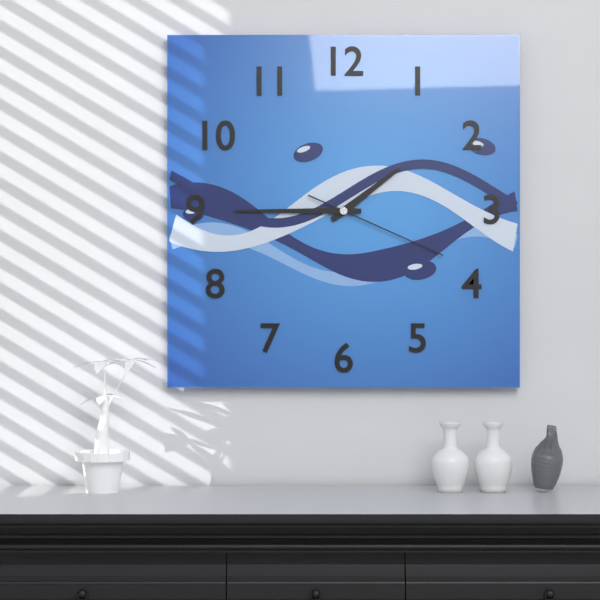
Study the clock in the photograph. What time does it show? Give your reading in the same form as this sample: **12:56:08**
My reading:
**1:45:19**
